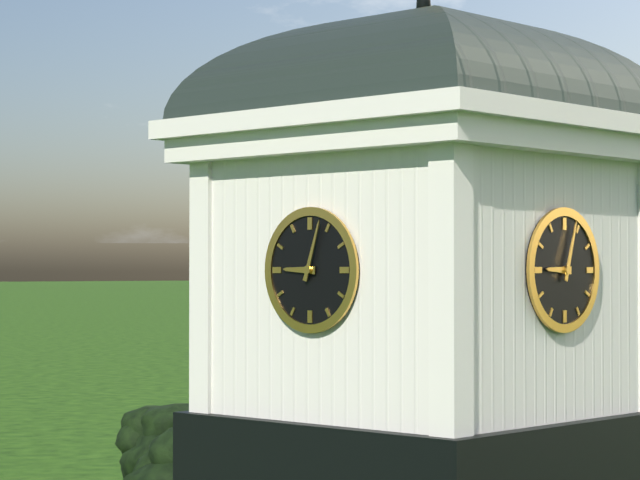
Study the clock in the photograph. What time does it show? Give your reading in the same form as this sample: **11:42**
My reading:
**9:03**
